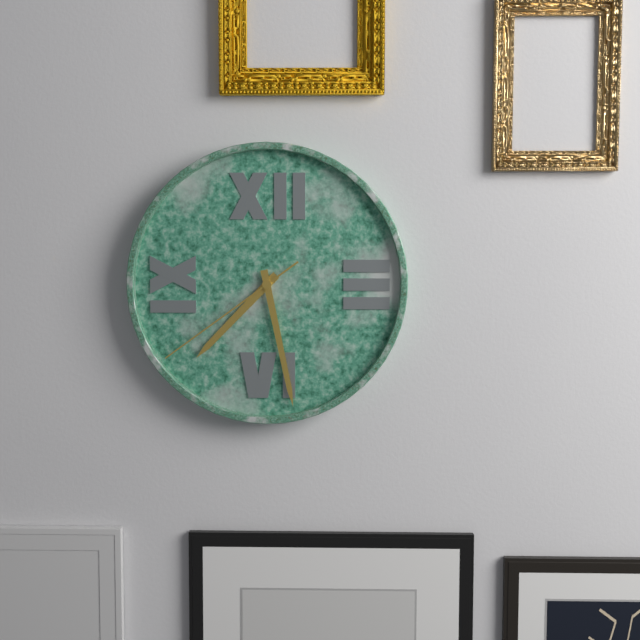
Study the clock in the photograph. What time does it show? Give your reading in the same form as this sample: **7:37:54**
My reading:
**7:28:39**
